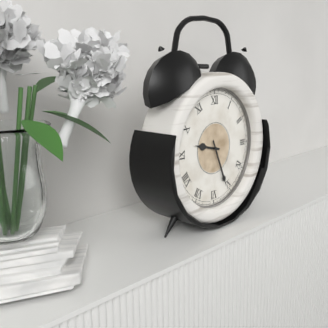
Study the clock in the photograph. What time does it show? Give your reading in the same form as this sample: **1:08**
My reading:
**9:26**
